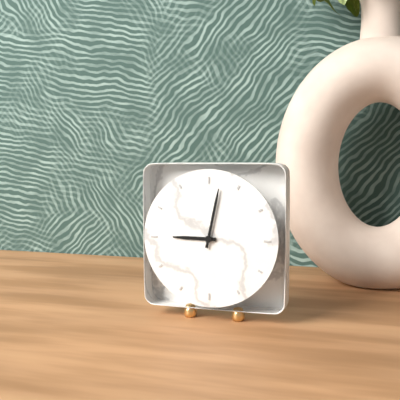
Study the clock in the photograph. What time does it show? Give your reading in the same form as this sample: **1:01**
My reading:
**9:02**
